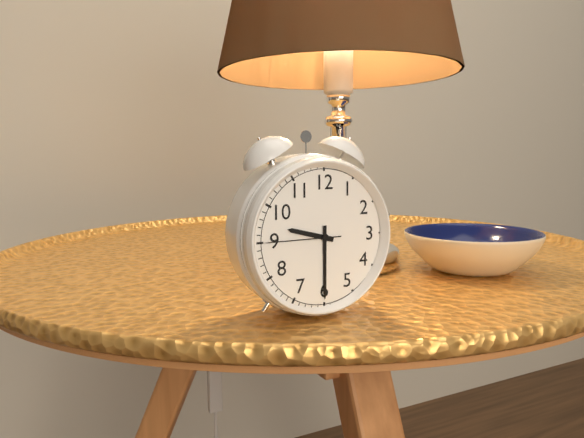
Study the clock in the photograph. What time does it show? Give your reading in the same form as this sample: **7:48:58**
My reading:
**9:30:45**
